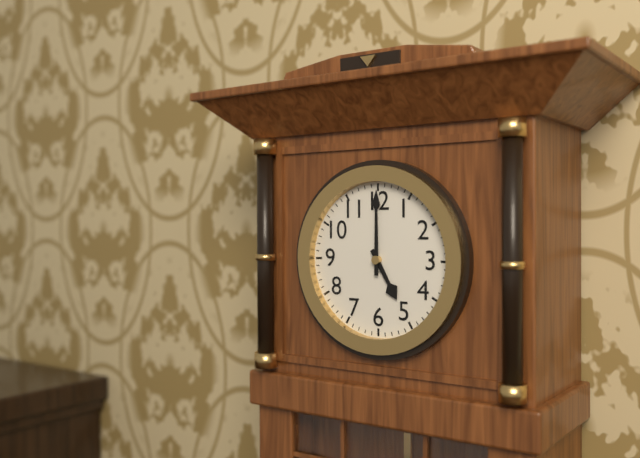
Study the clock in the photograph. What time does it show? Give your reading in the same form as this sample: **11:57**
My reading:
**5:00**
